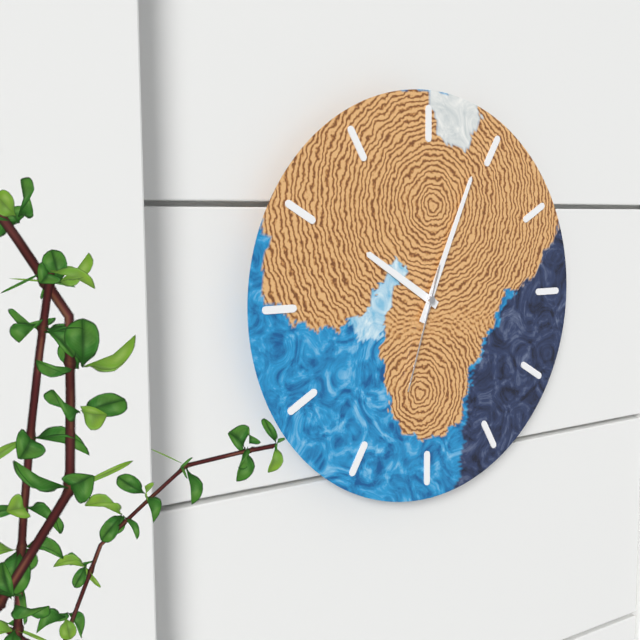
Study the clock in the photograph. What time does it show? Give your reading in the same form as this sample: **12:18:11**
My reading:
**10:04:33**
